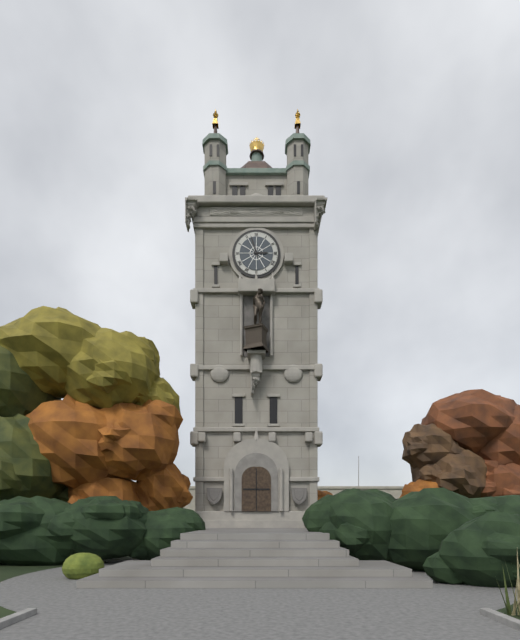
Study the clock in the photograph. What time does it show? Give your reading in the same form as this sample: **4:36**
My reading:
**2:57**
